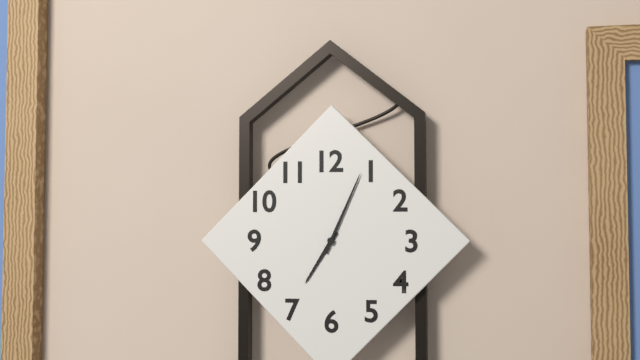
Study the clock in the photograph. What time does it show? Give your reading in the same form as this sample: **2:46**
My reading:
**7:04**
